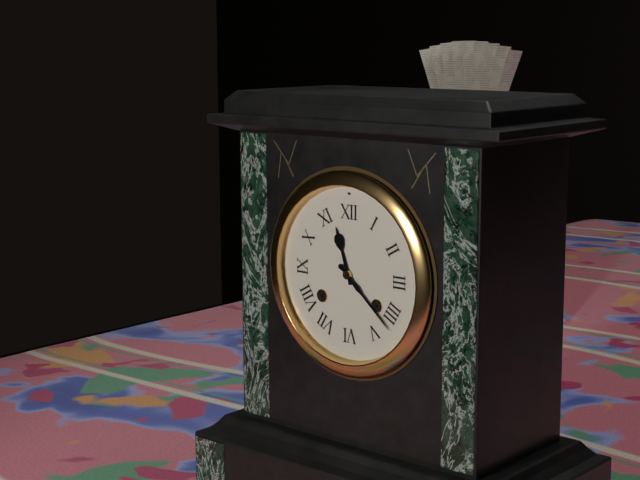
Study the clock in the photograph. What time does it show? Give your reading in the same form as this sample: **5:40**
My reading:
**11:22**
